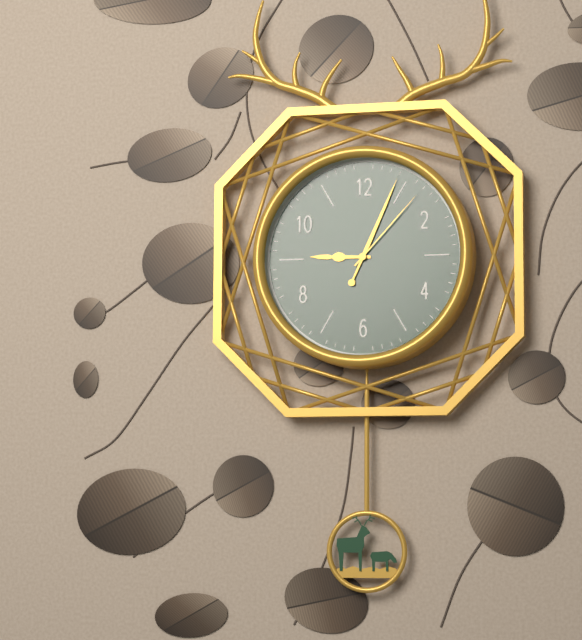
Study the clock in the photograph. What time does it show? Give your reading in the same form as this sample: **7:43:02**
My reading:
**9:04:07**
